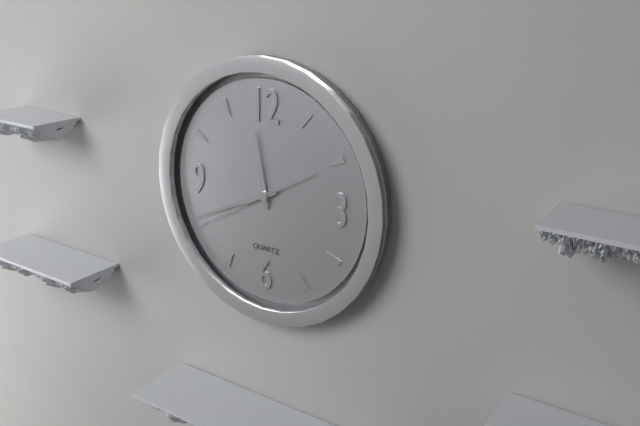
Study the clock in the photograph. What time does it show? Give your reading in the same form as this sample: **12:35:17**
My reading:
**11:41:40**
